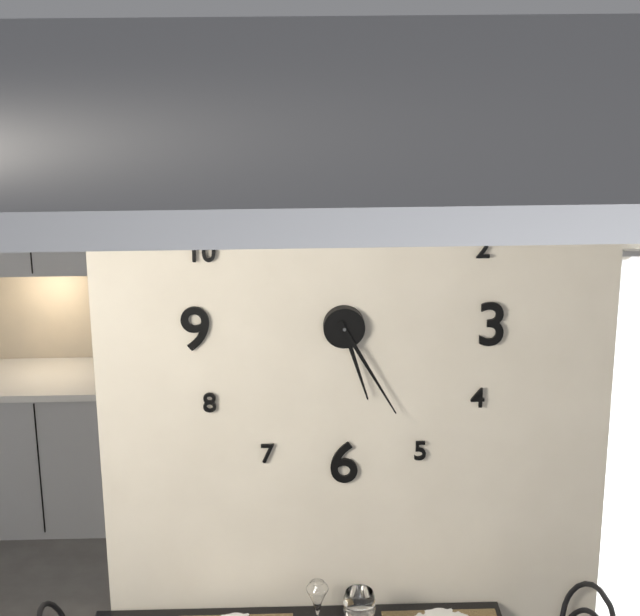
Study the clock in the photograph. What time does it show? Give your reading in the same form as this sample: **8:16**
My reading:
**5:25**
